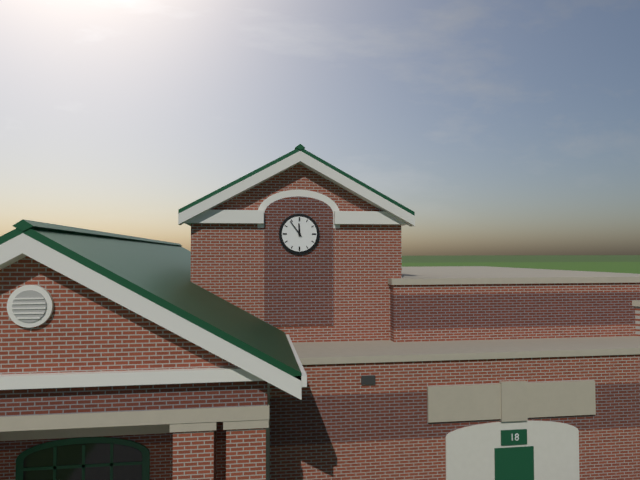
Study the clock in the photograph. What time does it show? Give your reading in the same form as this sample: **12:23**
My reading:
**11:54**
